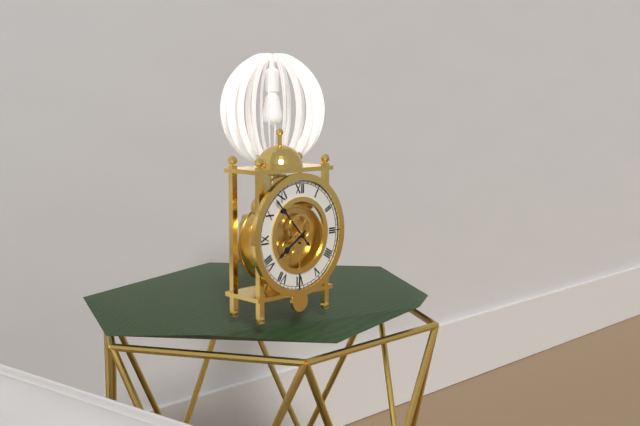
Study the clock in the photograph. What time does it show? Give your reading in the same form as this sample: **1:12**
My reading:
**7:53**
